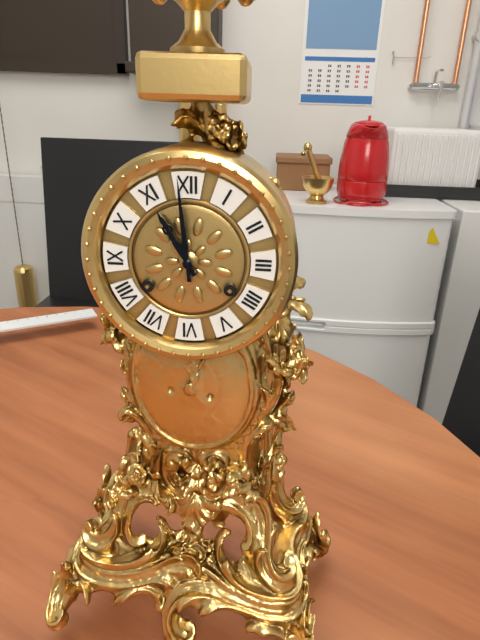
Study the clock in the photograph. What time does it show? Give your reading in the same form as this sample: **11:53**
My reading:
**10:59**
